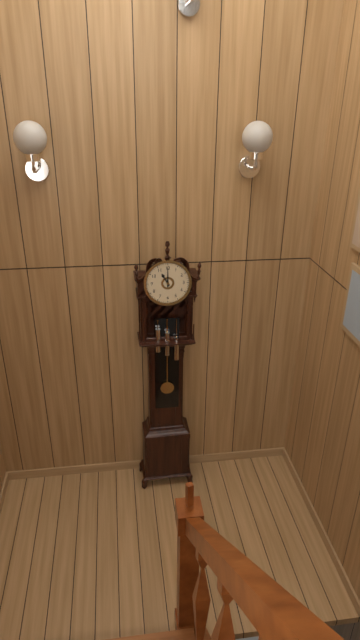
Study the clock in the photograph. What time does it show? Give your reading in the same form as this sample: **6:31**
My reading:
**11:00**
